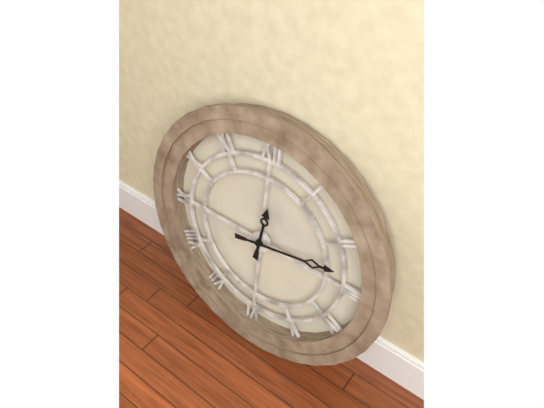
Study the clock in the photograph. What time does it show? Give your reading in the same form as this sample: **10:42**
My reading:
**12:13**
